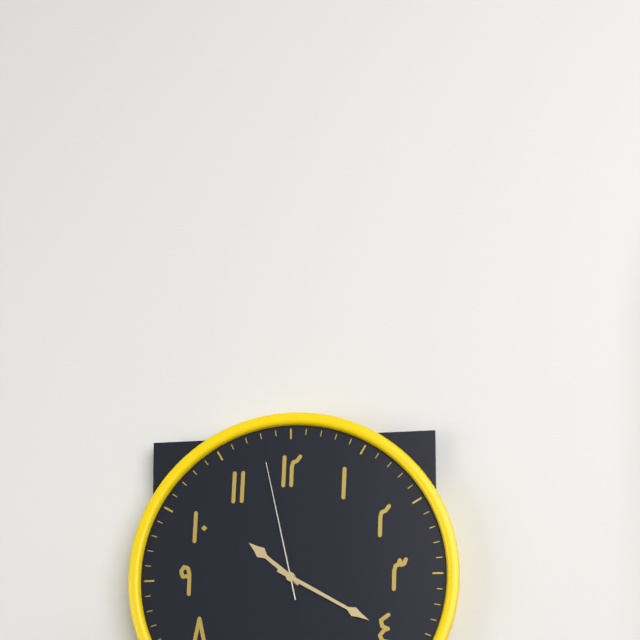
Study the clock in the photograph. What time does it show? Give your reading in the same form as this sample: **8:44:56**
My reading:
**10:20:58**
